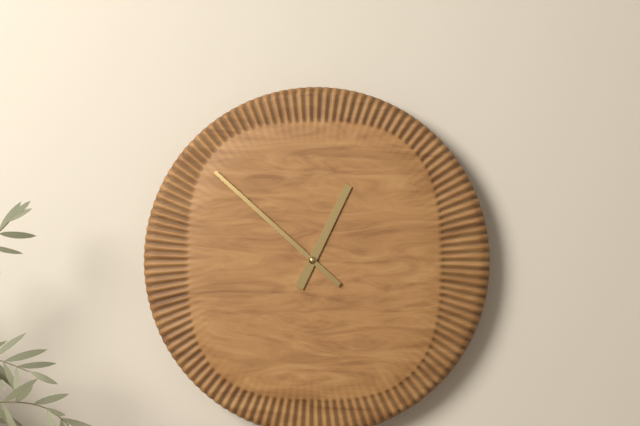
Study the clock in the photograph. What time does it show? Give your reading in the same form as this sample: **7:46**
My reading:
**12:52**
